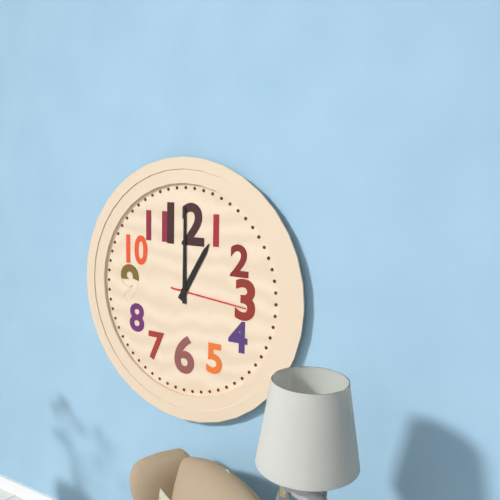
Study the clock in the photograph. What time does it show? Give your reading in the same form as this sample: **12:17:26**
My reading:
**1:00:16**
